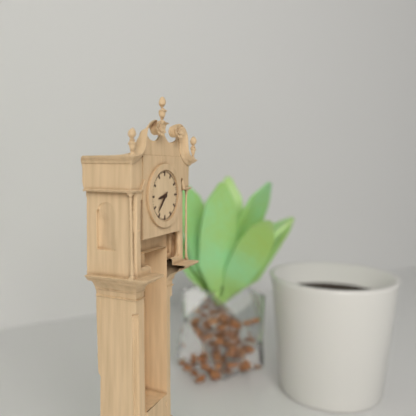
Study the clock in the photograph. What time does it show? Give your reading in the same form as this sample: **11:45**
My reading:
**8:37**
